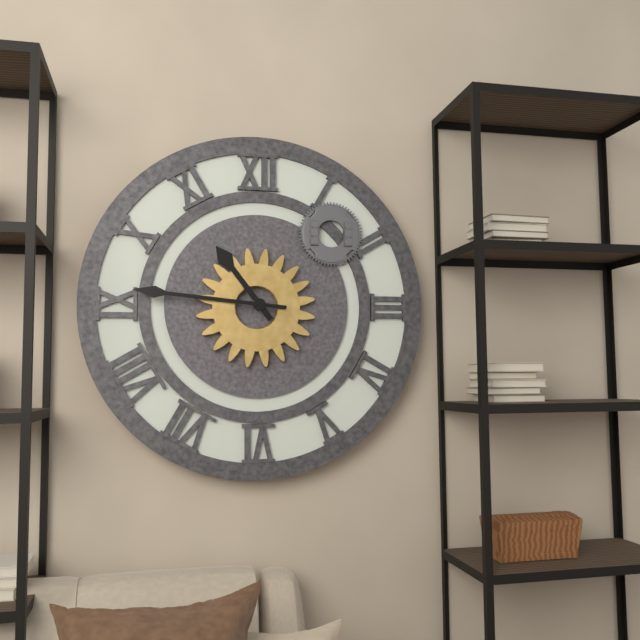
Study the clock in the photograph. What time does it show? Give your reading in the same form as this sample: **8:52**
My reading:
**10:46**
